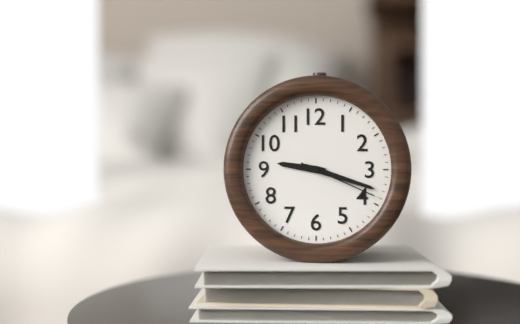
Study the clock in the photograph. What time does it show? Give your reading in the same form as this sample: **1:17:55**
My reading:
**9:18:19**
